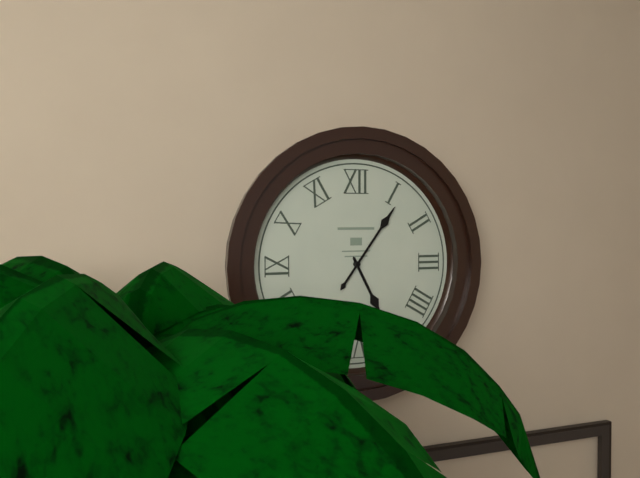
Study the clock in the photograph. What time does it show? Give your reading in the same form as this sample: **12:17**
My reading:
**5:06**
